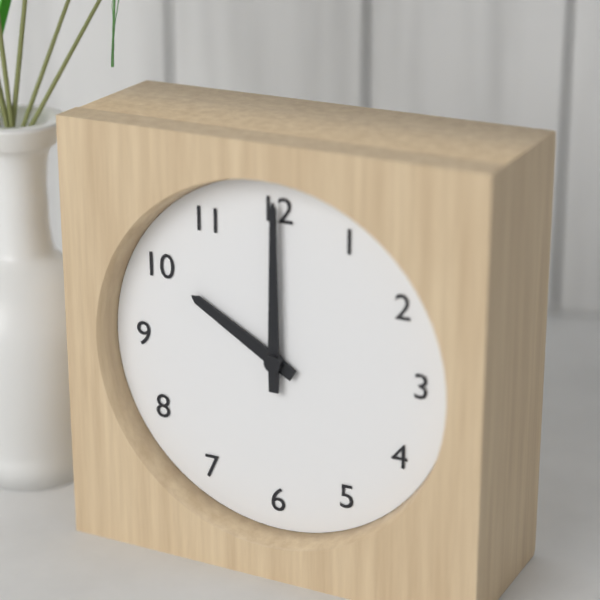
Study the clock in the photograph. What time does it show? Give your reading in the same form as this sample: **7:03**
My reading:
**10:00**
